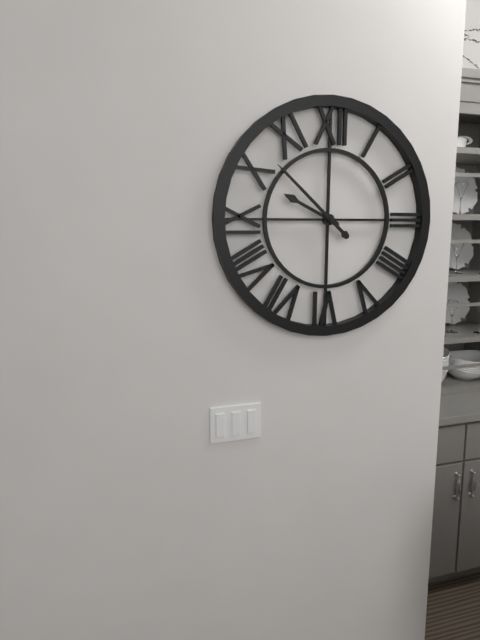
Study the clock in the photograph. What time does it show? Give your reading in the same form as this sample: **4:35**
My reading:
**9:52**
